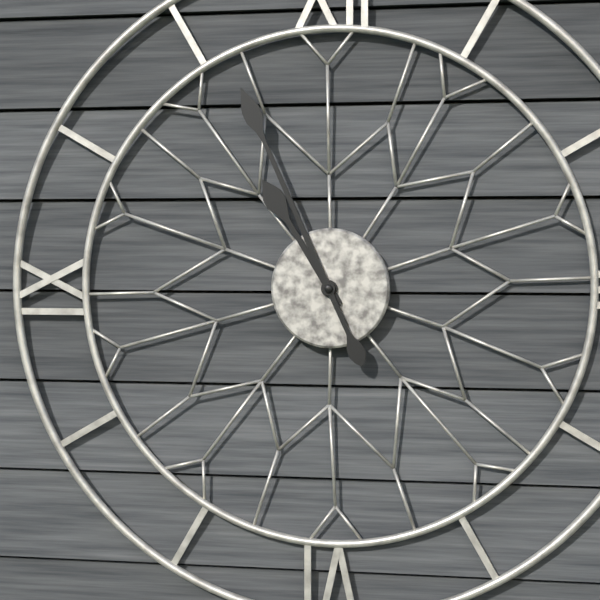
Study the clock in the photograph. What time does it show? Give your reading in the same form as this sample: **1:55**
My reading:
**10:56**
